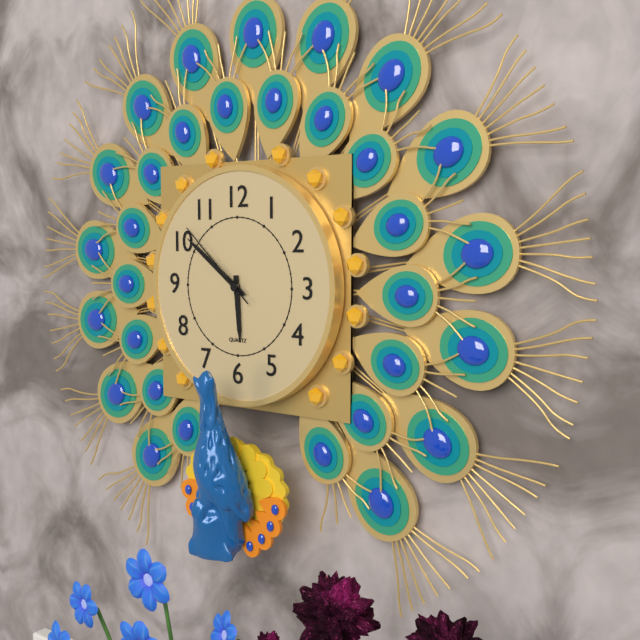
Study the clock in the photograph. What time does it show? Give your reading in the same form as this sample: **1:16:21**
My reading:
**5:51:52**
